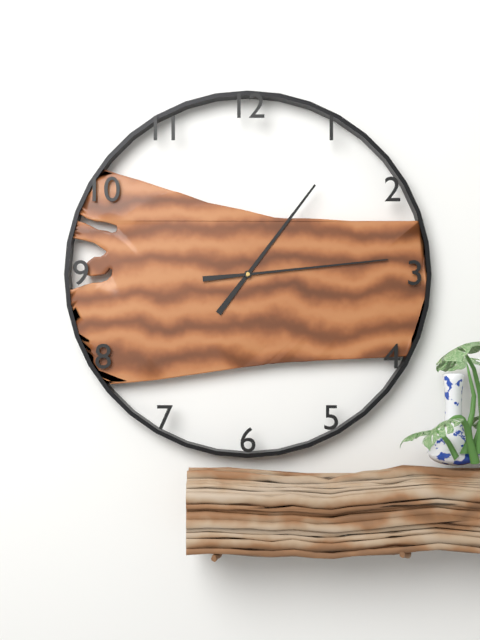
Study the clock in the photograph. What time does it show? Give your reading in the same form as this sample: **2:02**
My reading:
**1:14**
